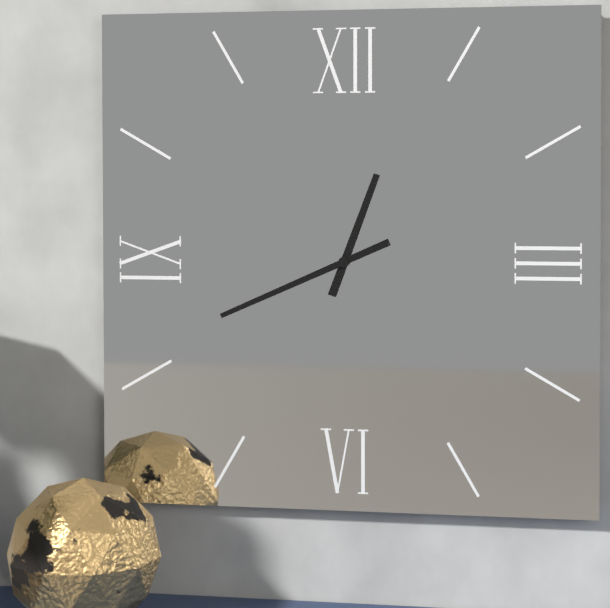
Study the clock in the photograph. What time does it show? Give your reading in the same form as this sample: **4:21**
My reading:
**12:41**
